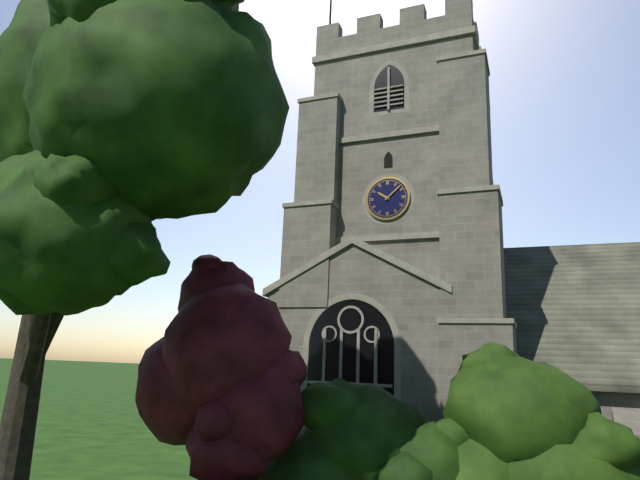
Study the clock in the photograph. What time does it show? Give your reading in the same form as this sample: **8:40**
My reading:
**10:08**
